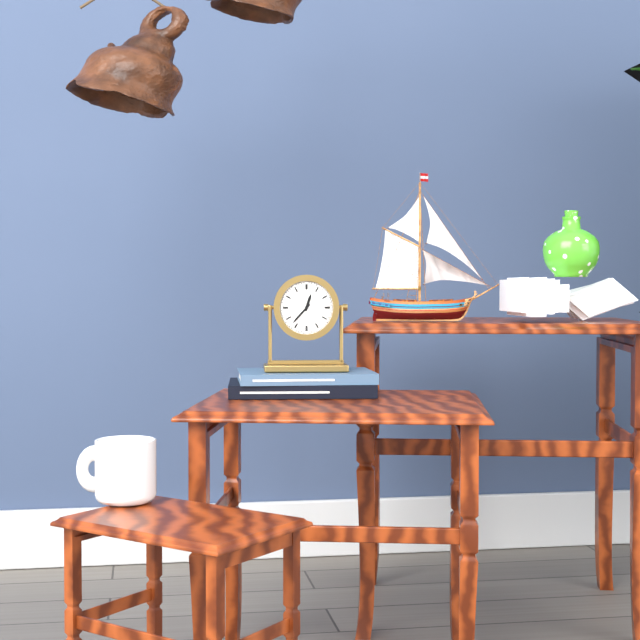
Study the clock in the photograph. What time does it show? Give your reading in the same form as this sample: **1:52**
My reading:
**12:37**
